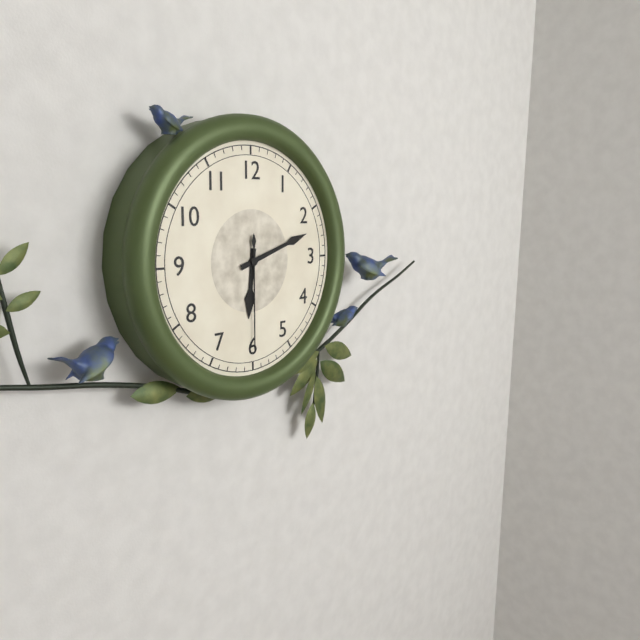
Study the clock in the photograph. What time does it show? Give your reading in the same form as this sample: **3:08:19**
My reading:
**6:12:30**
